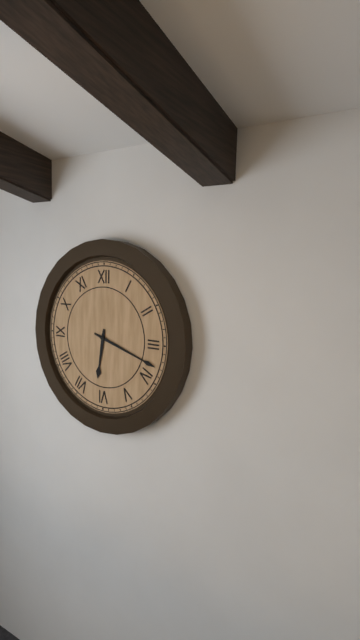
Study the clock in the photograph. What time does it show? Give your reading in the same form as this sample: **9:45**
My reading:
**6:18**
